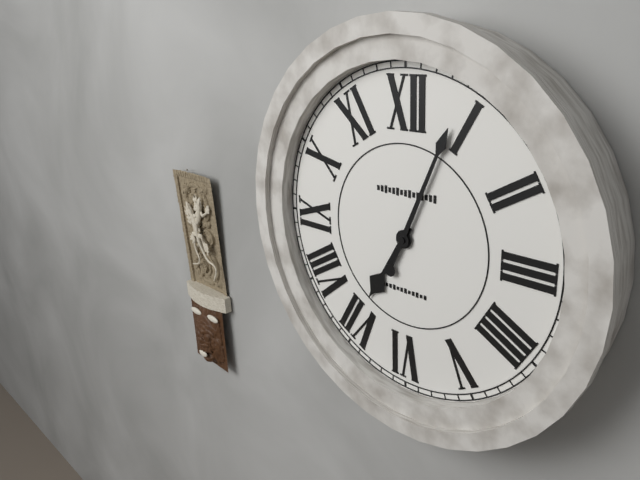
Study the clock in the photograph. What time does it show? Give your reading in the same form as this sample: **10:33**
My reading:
**7:04**
